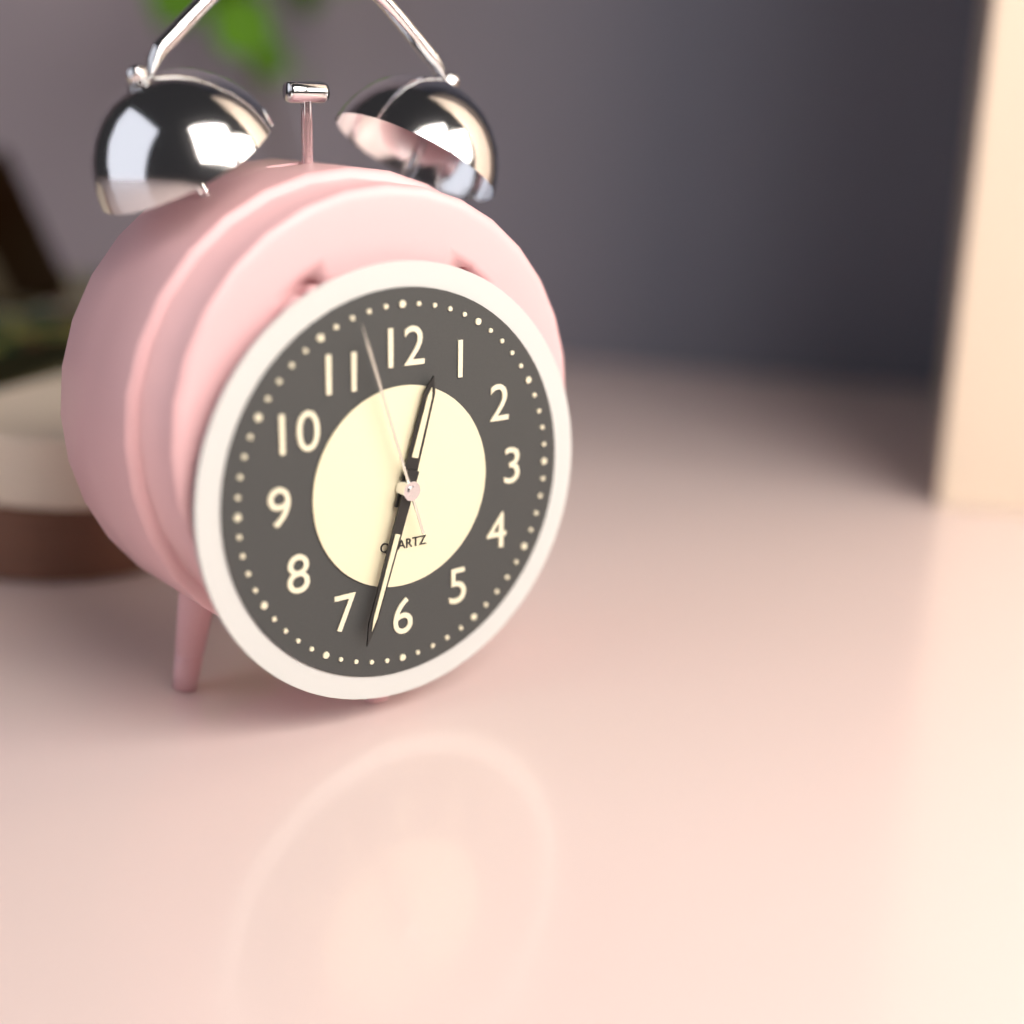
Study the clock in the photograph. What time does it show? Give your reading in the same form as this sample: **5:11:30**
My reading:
**12:33:57**
